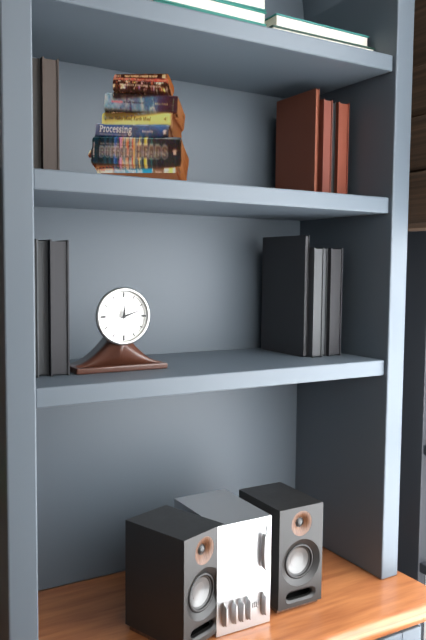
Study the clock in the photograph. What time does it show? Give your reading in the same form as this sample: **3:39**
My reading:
**12:12**
